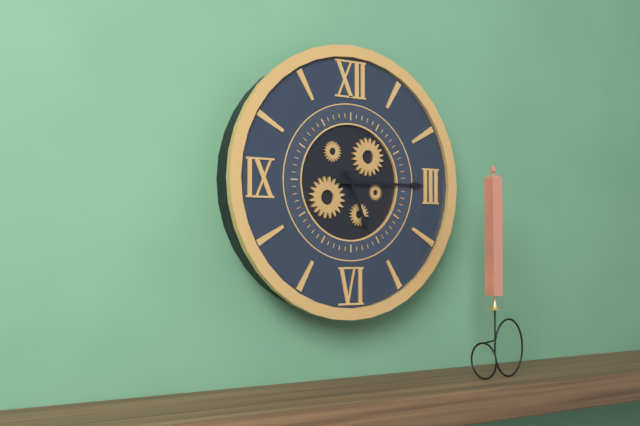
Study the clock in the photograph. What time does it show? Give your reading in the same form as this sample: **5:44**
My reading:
**5:15**
